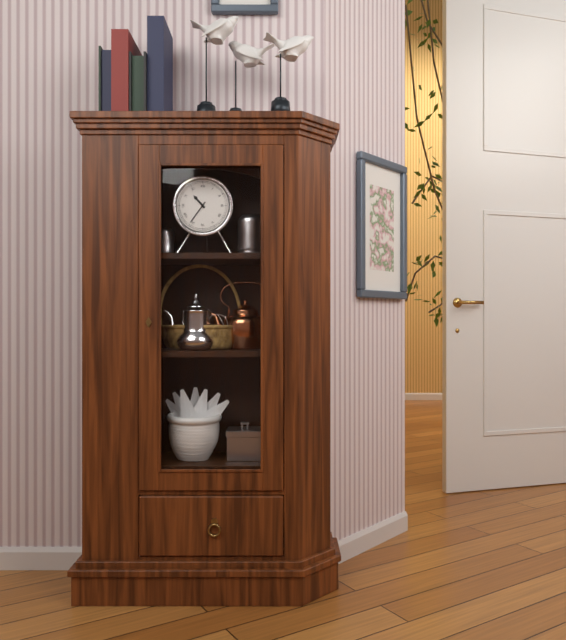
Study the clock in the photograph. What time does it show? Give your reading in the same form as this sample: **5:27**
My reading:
**10:36**
